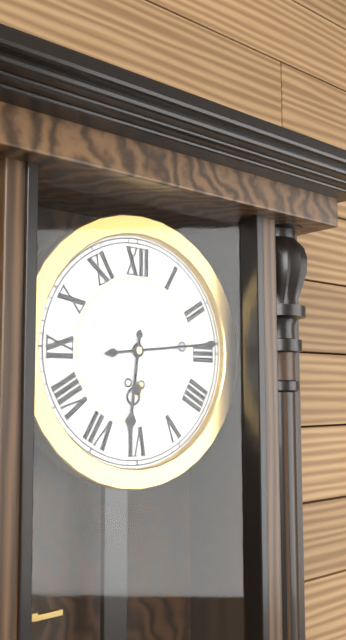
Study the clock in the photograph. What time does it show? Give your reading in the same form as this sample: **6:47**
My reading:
**6:14**
